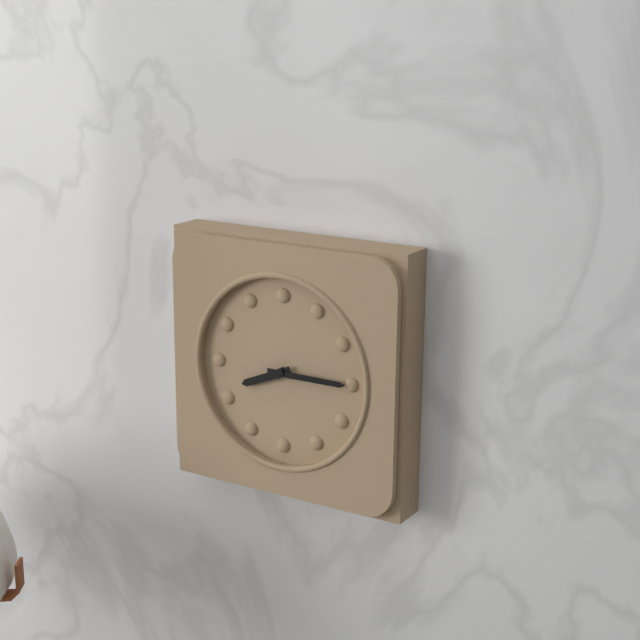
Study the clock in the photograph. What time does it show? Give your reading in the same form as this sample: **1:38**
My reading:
**8:15**
